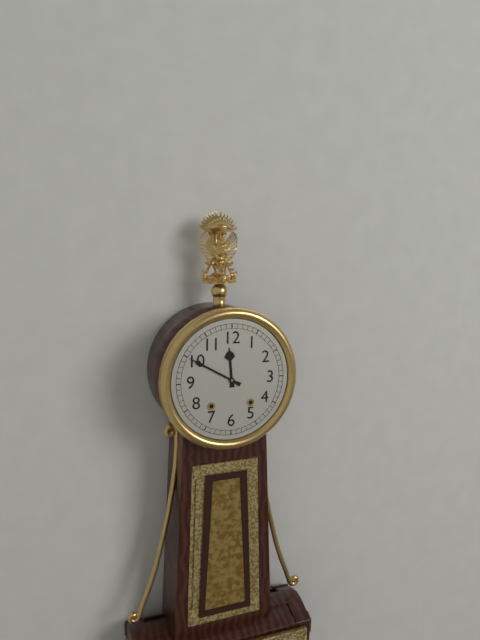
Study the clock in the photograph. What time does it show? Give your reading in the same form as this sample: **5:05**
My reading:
**11:50**
